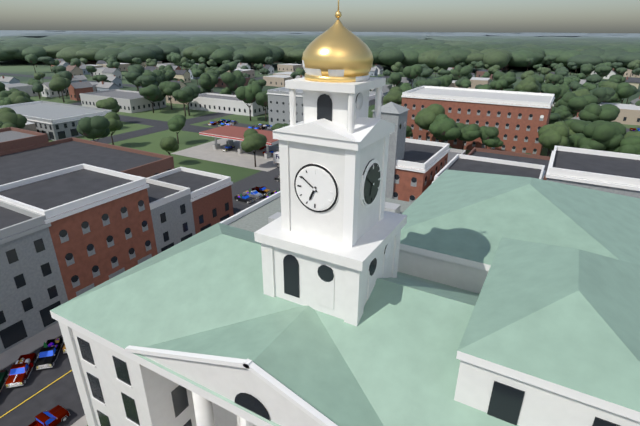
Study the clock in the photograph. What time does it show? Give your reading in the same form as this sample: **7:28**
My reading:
**6:51**
